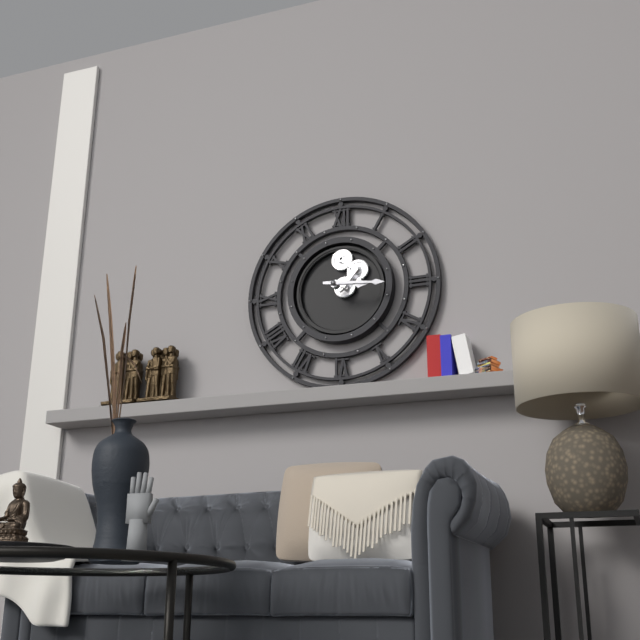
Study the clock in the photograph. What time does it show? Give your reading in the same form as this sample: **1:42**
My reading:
**3:16**
